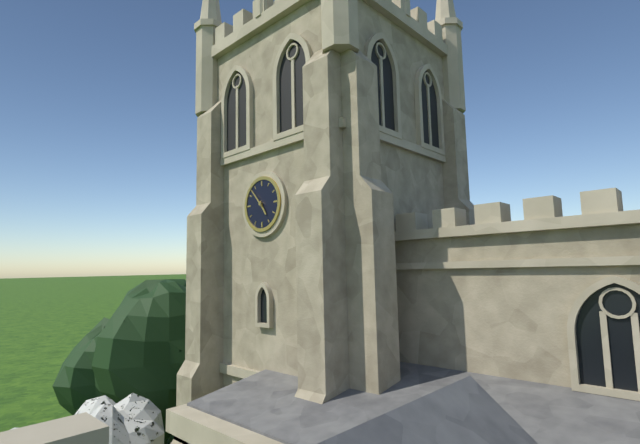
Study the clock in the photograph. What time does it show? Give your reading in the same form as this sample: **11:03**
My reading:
**4:53**
